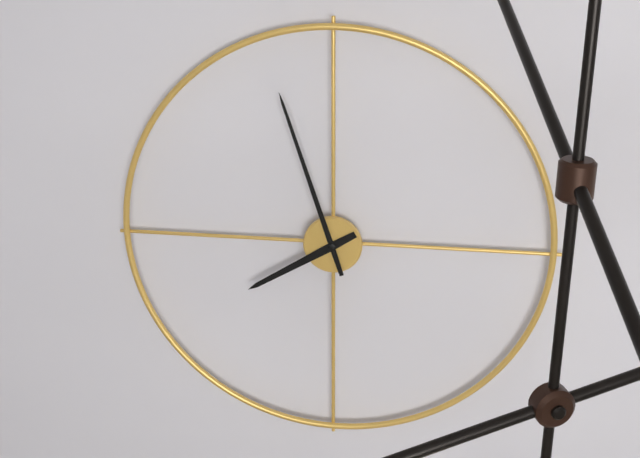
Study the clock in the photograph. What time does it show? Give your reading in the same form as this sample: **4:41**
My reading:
**7:57**
